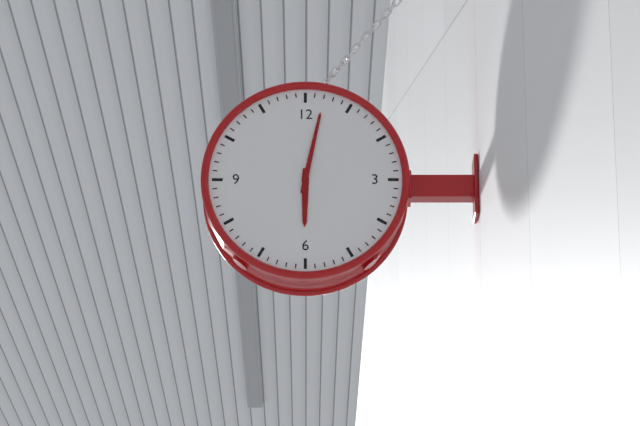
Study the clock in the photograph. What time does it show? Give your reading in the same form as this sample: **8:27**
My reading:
**6:02**
